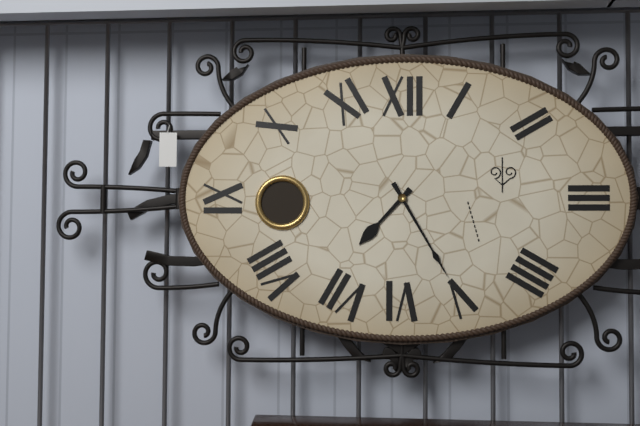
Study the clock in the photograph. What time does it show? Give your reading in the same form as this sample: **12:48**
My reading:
**7:25**
